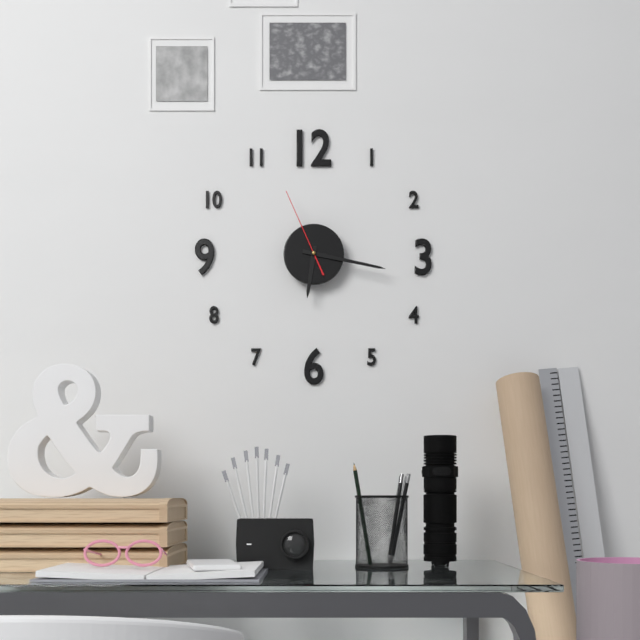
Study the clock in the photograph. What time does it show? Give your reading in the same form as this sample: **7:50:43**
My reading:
**6:17:56**
